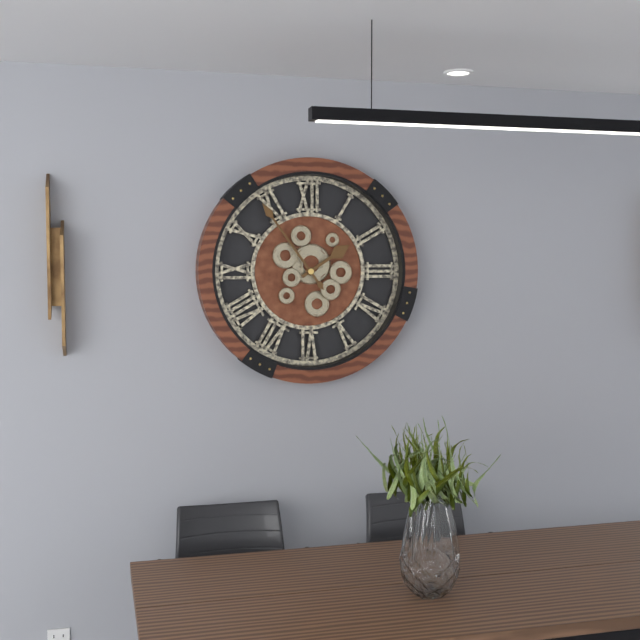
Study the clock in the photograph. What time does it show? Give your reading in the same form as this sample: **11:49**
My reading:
**1:54**
